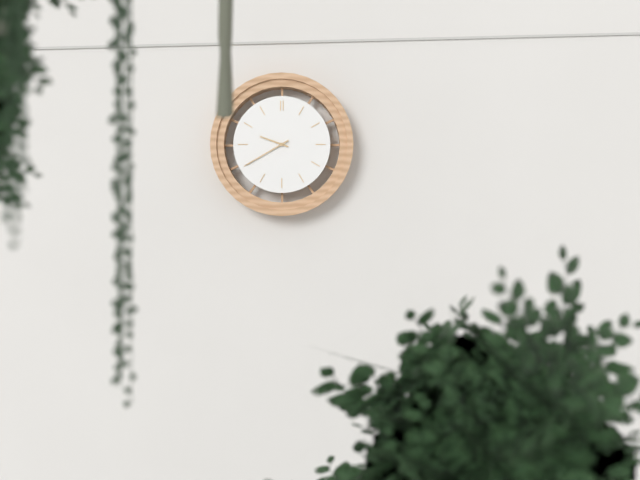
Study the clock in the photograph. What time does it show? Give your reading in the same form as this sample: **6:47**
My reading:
**9:40**
